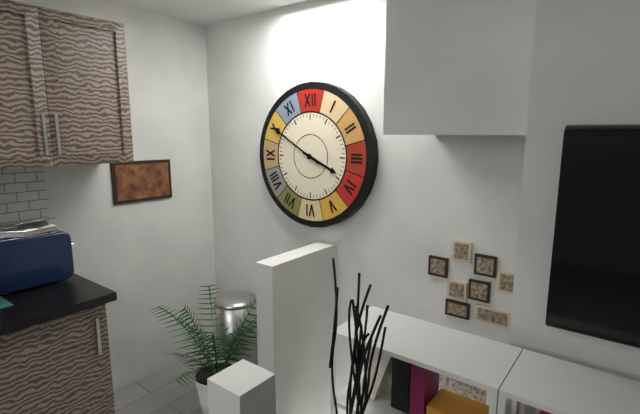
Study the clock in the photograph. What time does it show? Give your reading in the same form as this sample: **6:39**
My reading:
**3:50**
